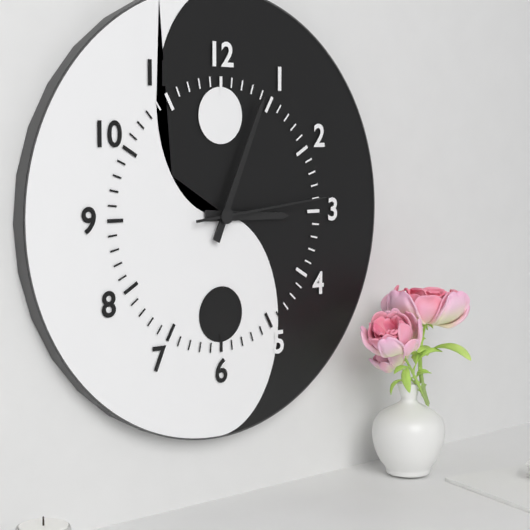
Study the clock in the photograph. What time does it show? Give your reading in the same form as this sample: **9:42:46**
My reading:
**3:04:14**
